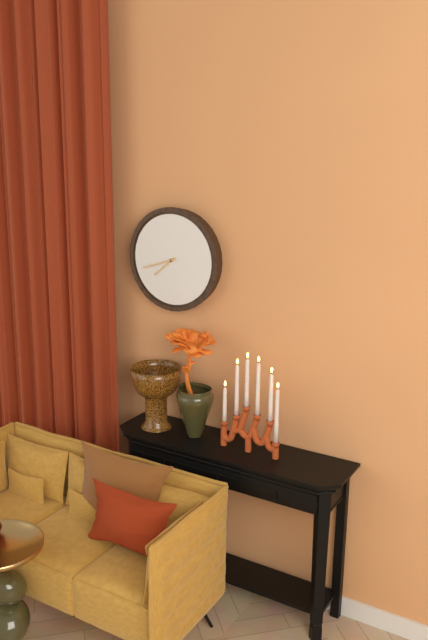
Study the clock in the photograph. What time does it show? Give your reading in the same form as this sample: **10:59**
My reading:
**7:42**
